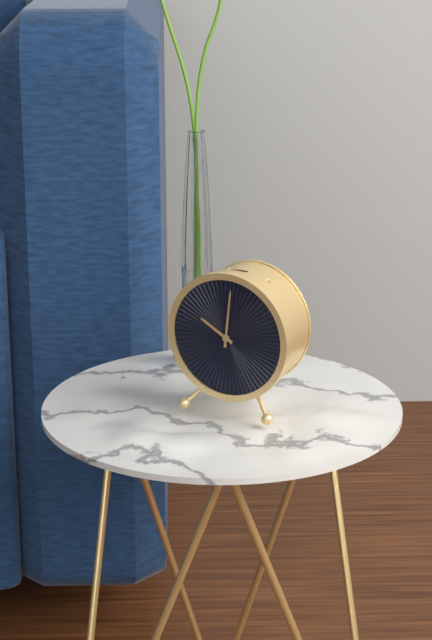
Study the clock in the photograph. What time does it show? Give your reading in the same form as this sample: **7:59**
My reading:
**10:01**
